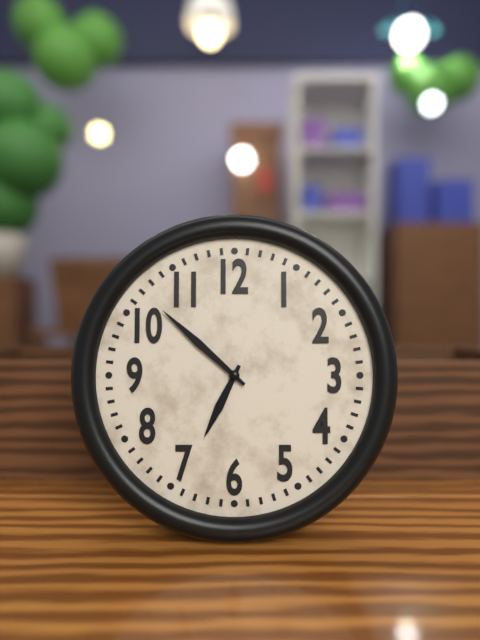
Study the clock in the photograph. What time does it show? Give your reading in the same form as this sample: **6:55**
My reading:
**6:52**
